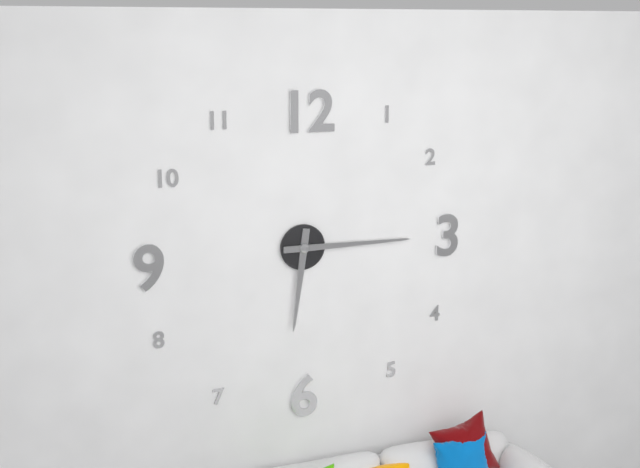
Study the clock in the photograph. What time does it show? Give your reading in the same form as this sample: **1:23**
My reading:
**6:15**
